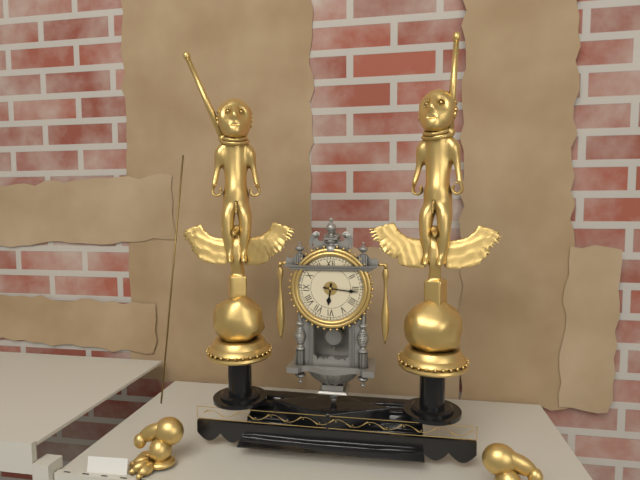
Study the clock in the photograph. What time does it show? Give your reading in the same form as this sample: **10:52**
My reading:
**6:16**
